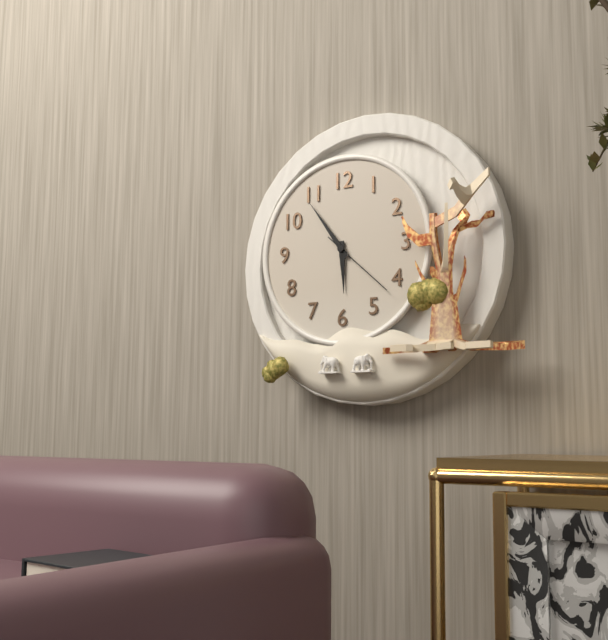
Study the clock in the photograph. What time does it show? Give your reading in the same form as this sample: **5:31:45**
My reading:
**5:54:22**
